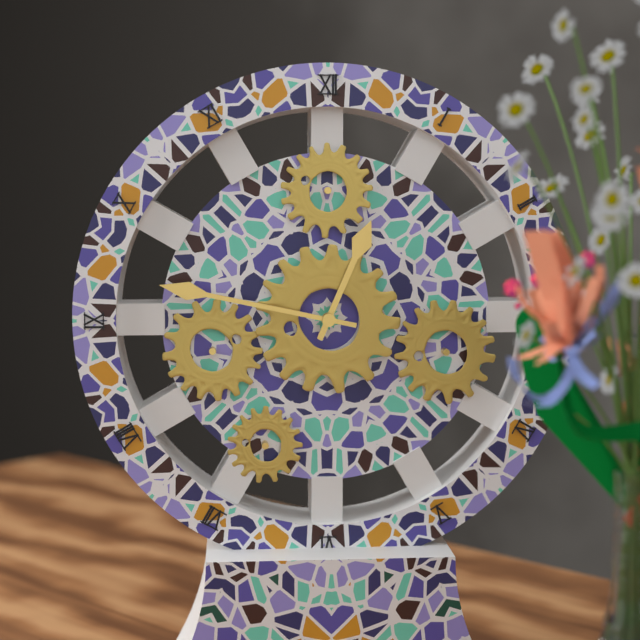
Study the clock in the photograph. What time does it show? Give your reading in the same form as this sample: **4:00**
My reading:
**12:47**
